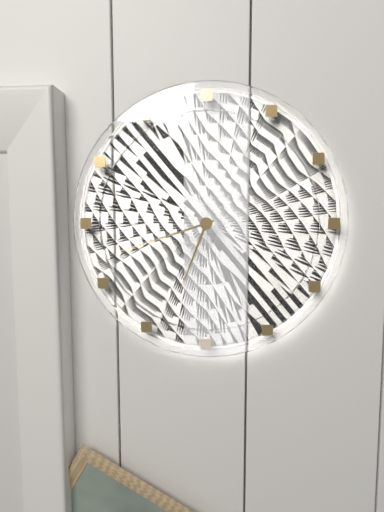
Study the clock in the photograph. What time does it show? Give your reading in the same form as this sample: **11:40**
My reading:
**6:42**
